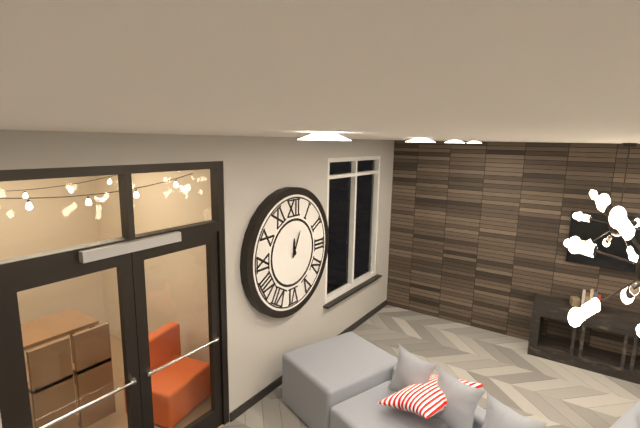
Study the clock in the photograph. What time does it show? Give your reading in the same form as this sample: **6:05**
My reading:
**12:04**
